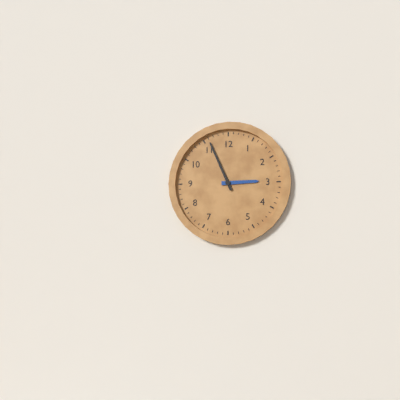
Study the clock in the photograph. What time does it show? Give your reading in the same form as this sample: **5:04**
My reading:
**2:56**
